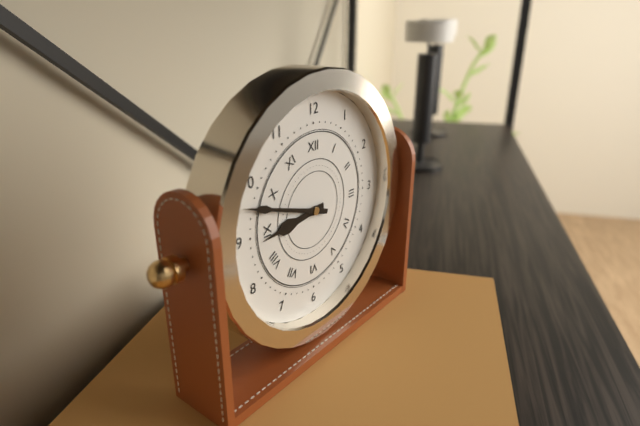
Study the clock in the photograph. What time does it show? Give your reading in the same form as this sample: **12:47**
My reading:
**8:48**
